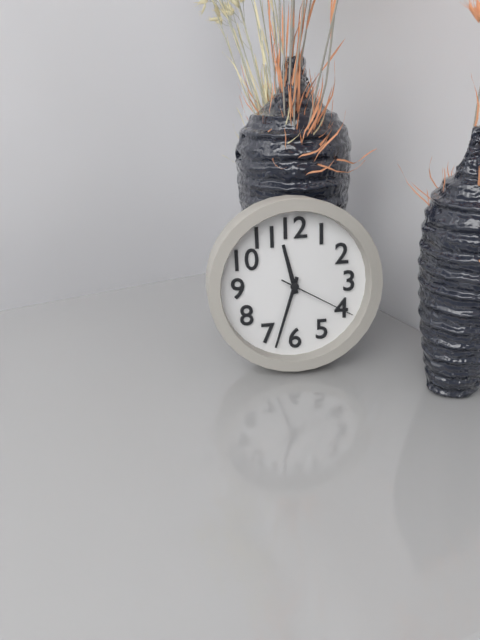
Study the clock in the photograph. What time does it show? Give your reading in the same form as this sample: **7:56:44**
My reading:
**11:33:20**
